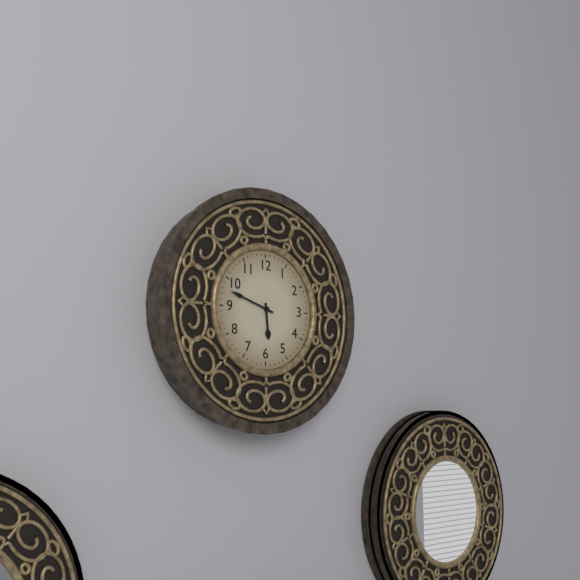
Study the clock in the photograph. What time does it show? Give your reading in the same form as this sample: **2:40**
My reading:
**5:48**
